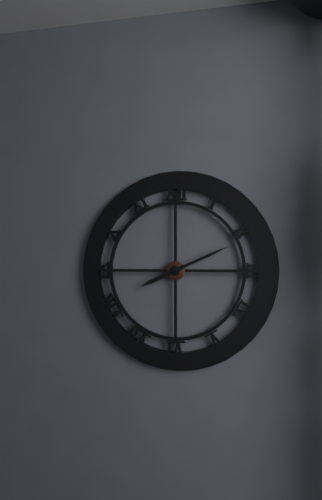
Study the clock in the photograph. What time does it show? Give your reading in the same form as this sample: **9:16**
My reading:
**8:11**
